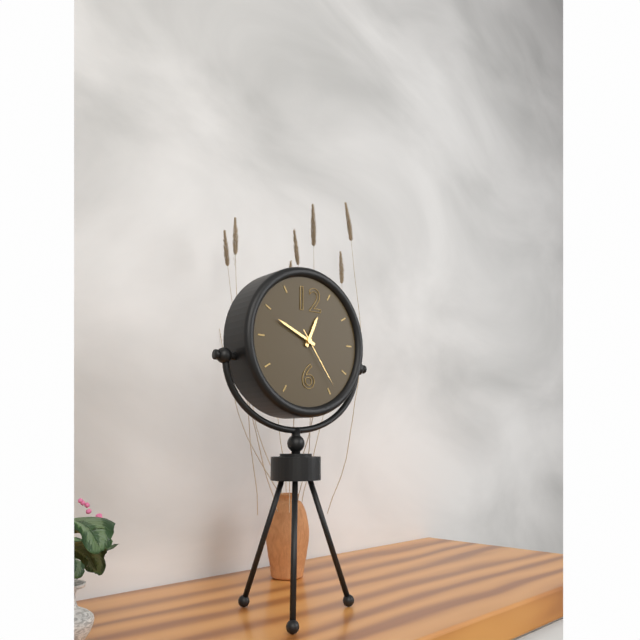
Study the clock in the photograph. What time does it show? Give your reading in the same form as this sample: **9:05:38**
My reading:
**12:49:24**
